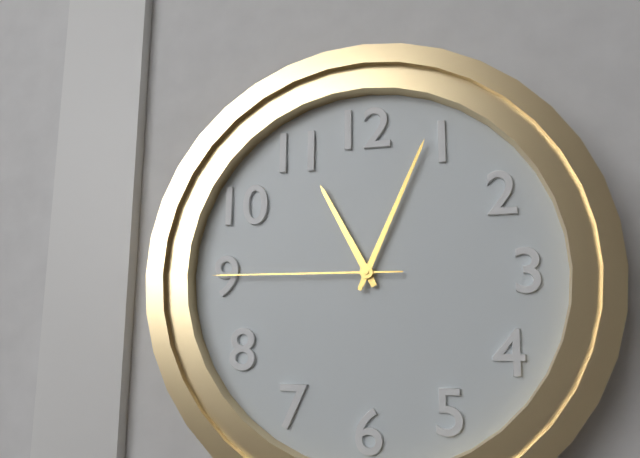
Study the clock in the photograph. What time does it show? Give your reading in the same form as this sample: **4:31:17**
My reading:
**11:04:45**
